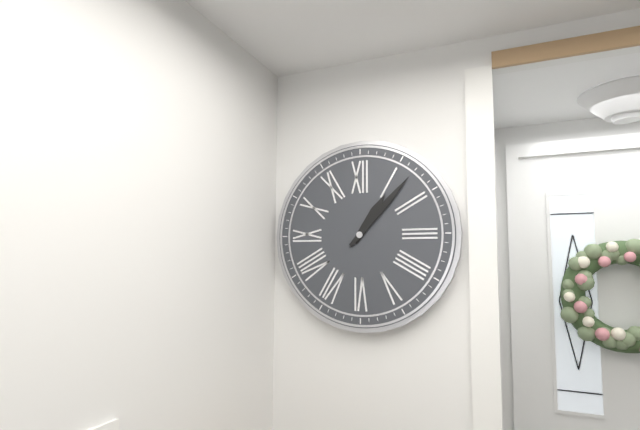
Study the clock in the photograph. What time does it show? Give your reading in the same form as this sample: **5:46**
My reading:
**1:07**
